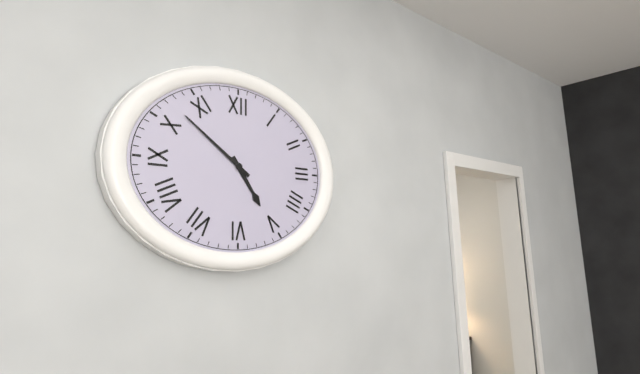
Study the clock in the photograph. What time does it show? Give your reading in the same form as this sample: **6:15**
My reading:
**4:51**
